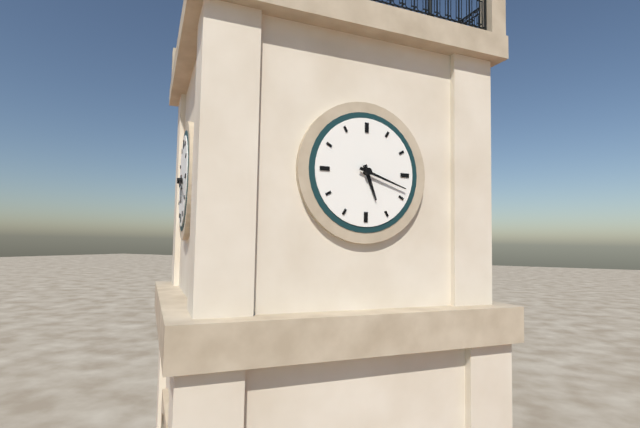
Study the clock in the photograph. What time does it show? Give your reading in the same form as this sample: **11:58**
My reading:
**5:18**
